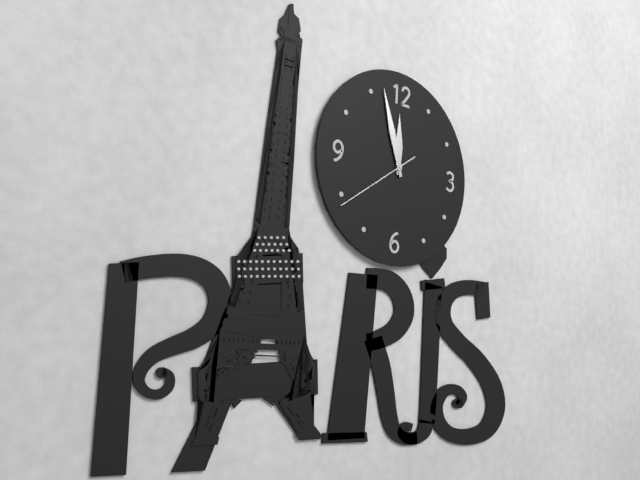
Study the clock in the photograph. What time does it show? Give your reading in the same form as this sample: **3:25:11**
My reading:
**11:57:39**
